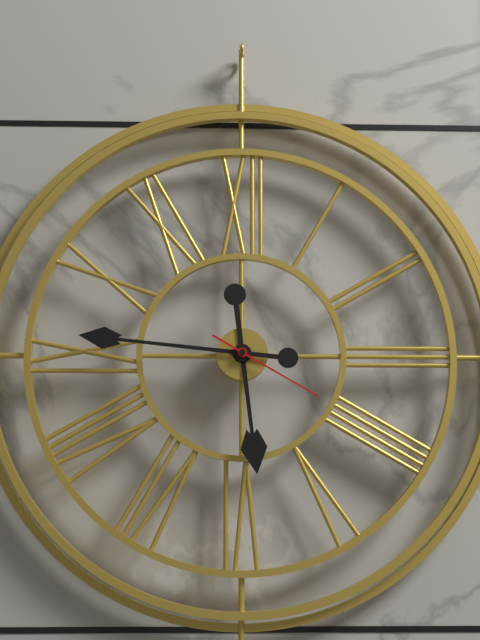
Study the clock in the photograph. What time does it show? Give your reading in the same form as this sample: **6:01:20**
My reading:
**5:46:20**
